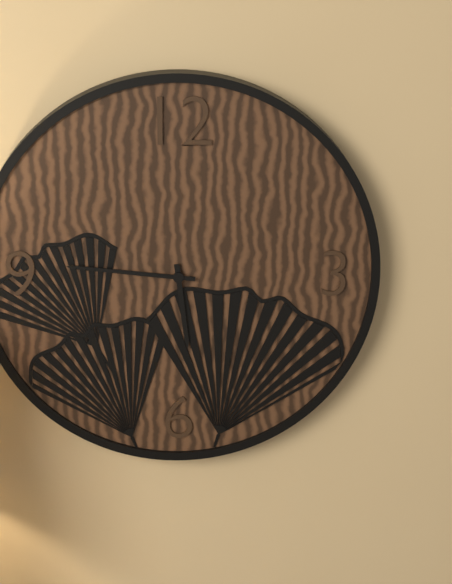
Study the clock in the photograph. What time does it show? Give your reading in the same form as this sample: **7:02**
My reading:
**5:46**
